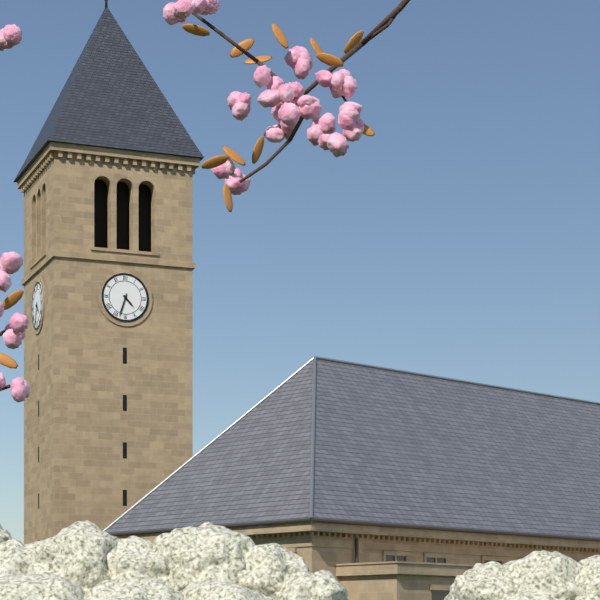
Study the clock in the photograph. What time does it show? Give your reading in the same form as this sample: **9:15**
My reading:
**4:33**
